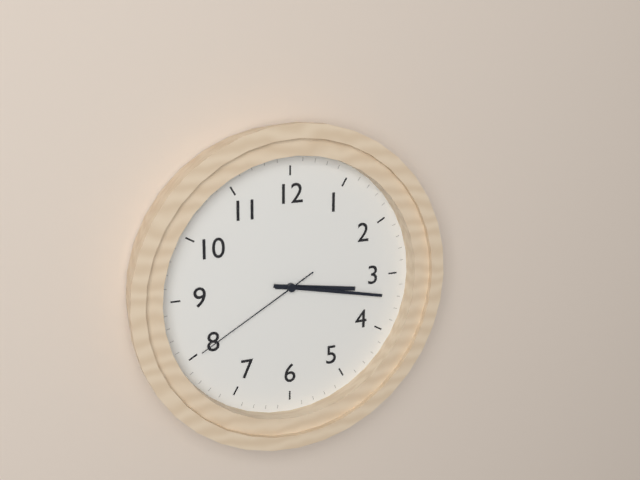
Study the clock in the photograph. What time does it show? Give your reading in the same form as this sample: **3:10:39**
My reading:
**3:17:40**
